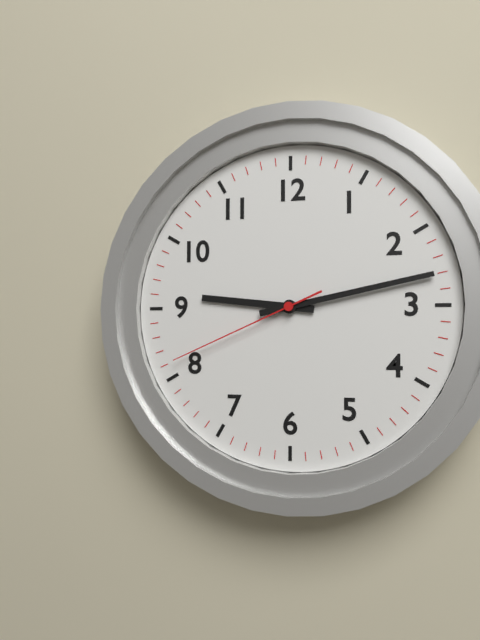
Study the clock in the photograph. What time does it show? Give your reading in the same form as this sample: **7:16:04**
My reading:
**9:13:41**
